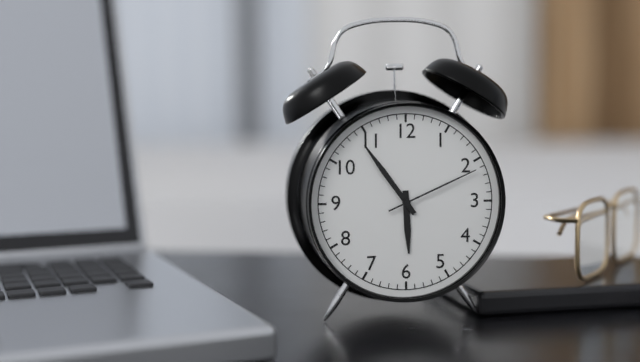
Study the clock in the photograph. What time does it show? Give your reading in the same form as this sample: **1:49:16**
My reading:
**5:54:11**
